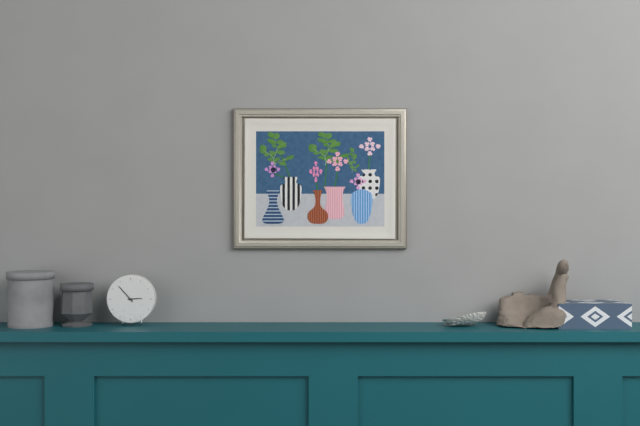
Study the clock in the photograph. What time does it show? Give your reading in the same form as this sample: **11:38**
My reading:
**2:53**
